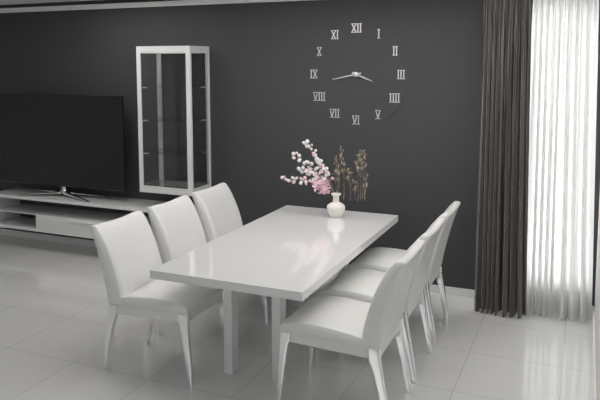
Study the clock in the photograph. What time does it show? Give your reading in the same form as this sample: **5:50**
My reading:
**3:43**
